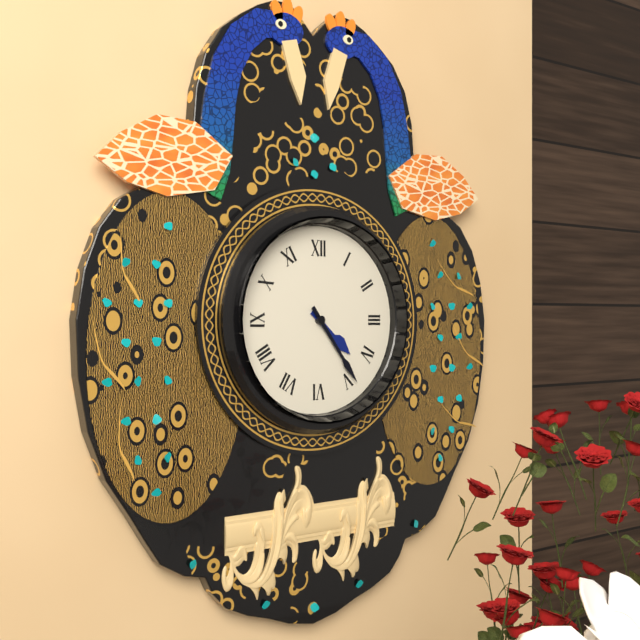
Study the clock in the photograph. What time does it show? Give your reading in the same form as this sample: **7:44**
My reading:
**4:24**
